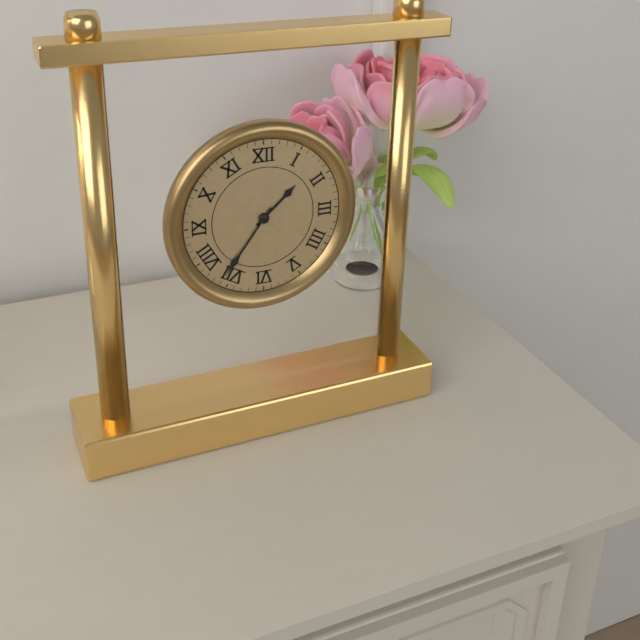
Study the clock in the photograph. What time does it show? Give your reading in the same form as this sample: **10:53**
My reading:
**1:36**
